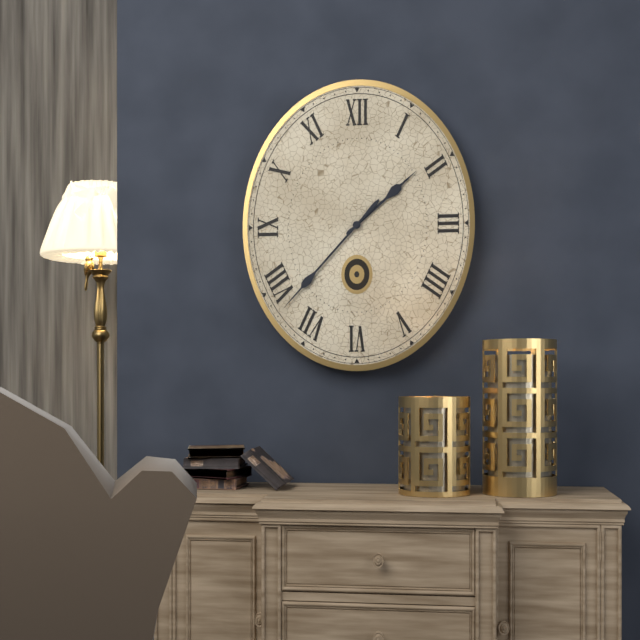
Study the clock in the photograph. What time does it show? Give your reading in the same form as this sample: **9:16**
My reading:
**1:37**
